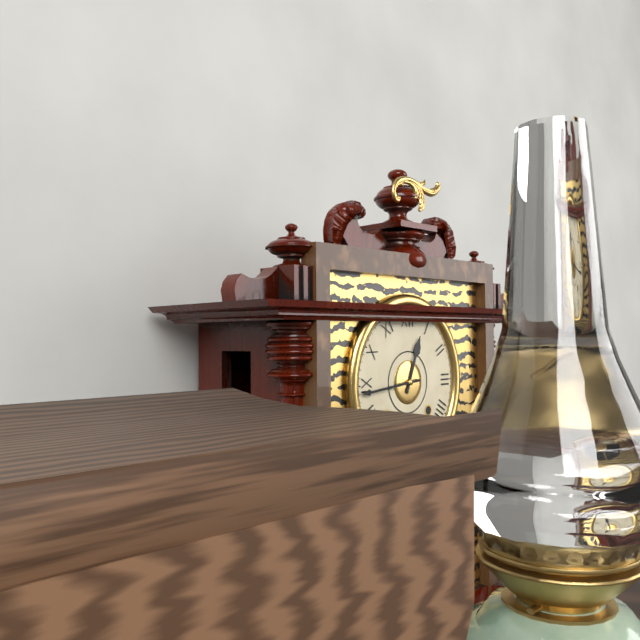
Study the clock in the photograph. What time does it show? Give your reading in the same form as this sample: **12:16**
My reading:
**12:44**
